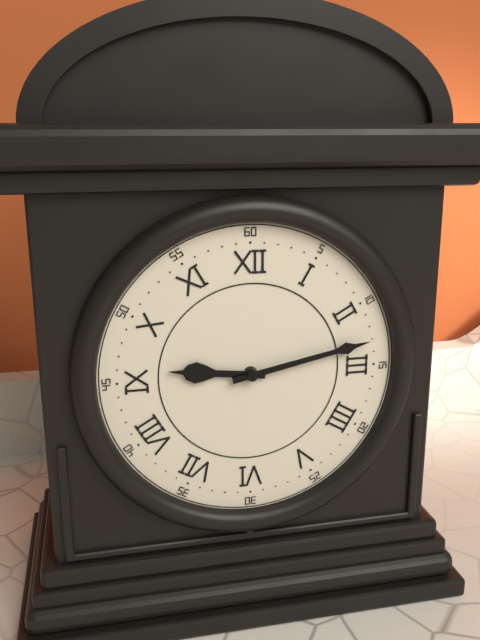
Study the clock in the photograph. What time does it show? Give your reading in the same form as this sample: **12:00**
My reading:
**9:13**
